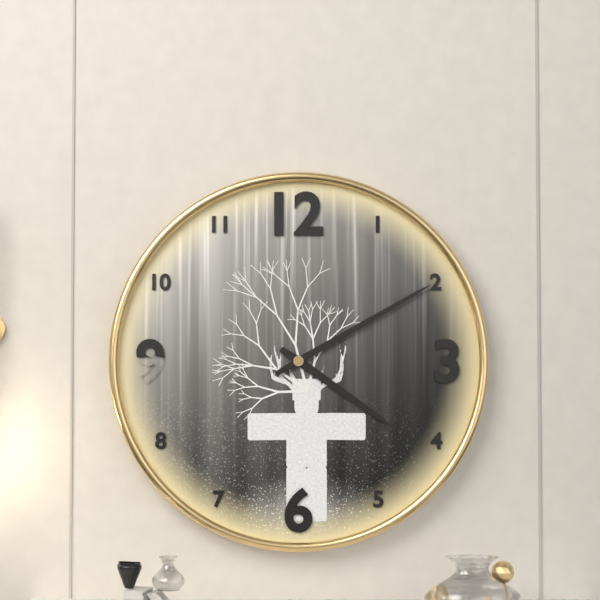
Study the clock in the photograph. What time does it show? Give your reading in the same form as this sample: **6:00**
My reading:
**4:10**
